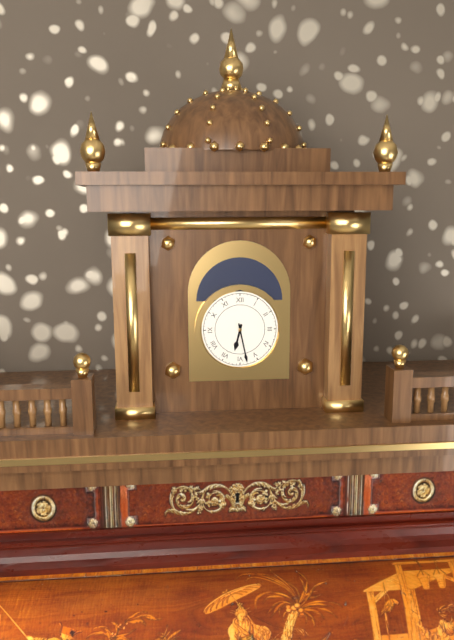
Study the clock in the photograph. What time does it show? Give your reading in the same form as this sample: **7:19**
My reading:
**6:28**
